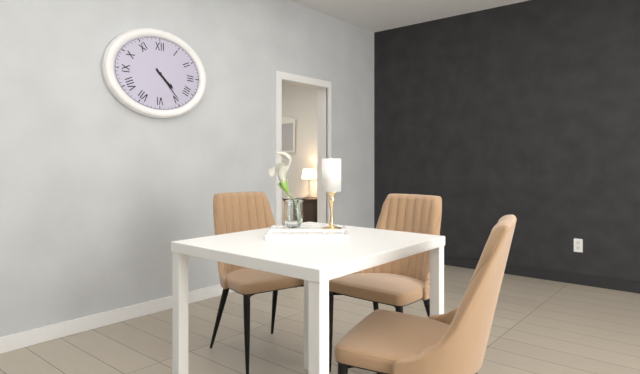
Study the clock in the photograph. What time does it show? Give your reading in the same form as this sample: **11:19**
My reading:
**4:23**
